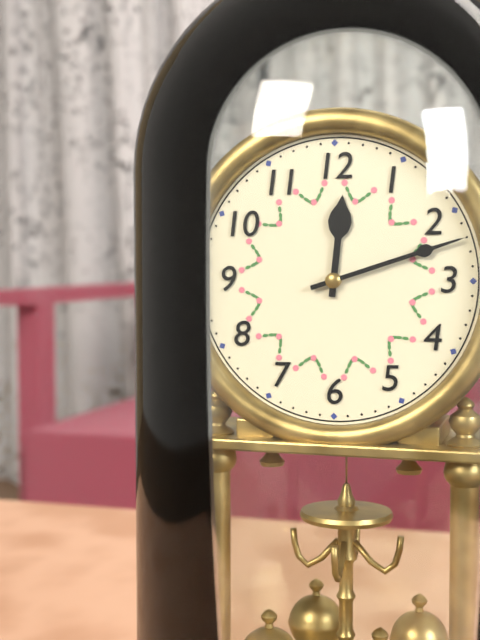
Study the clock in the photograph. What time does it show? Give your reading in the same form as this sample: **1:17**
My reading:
**12:12**
